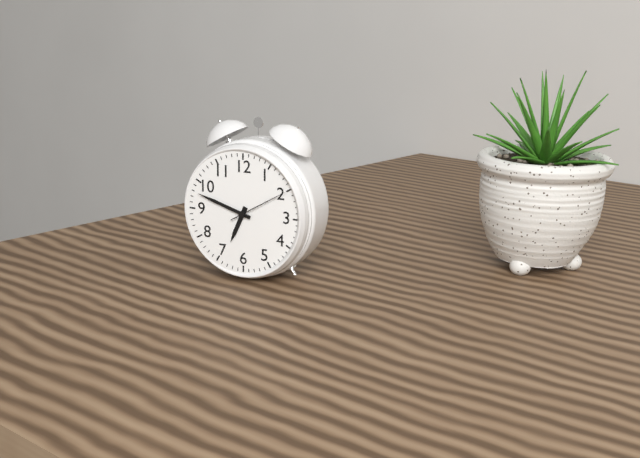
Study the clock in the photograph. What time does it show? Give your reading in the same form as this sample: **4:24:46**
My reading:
**6:48:10**
